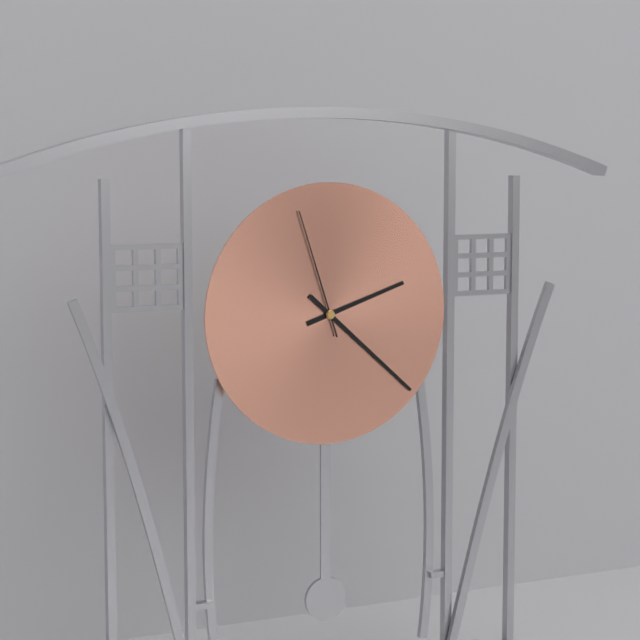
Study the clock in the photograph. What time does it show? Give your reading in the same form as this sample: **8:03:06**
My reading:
**2:22:57**
